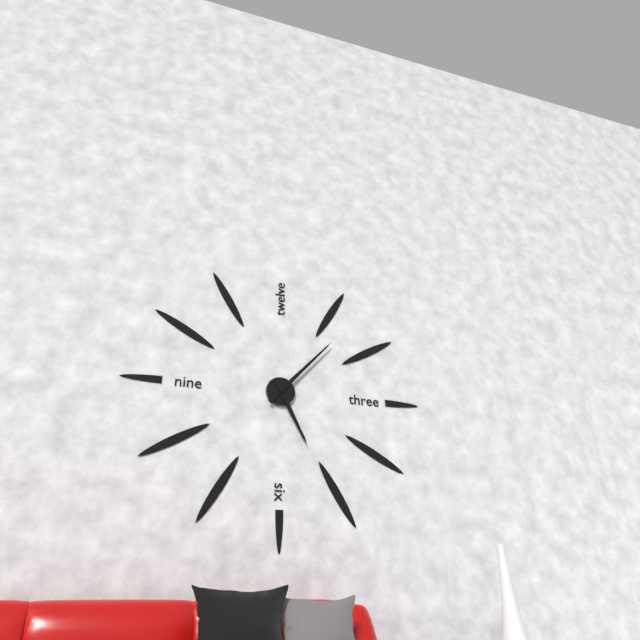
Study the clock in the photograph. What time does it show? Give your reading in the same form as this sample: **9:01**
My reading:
**5:07**
